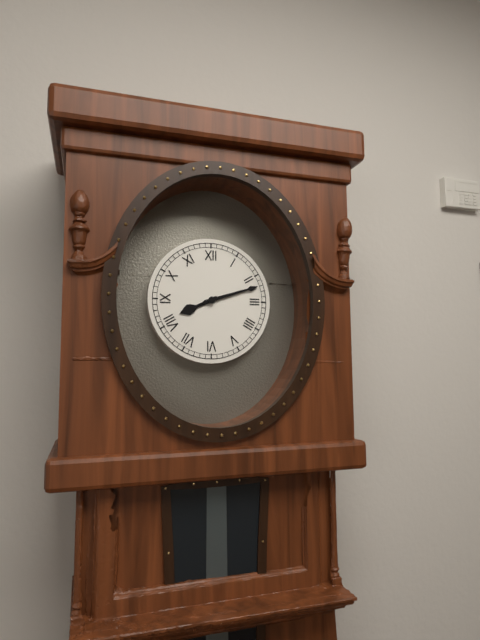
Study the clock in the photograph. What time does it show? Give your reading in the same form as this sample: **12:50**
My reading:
**8:12**
